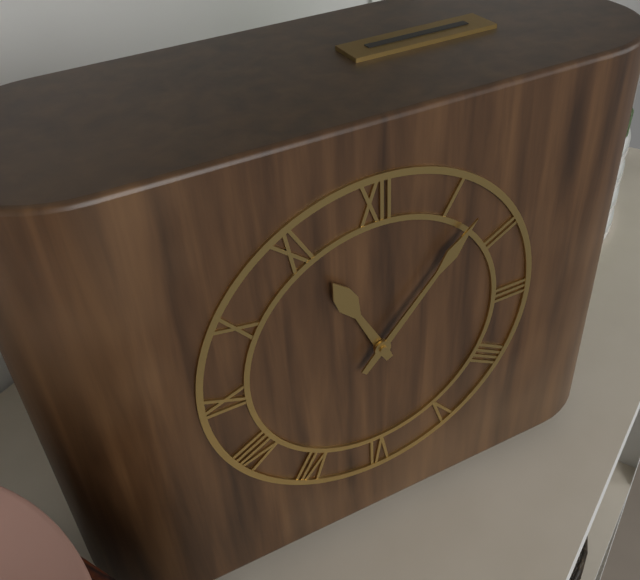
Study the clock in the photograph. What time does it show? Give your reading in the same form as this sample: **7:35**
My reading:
**11:07**
